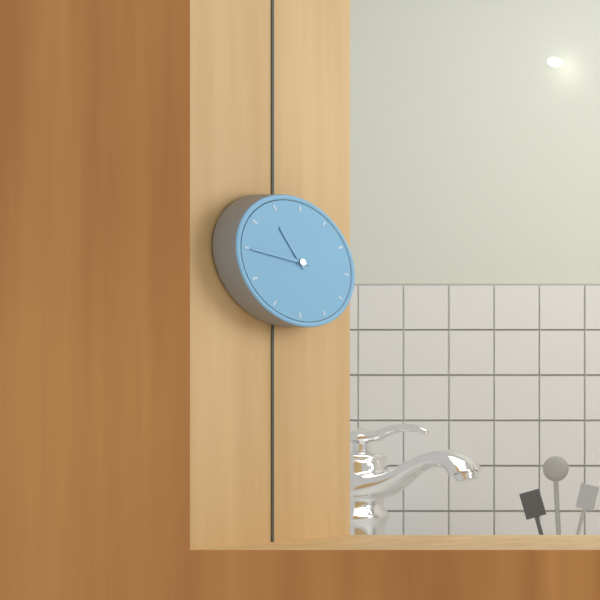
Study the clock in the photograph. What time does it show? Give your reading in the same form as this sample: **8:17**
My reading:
**10:45**
